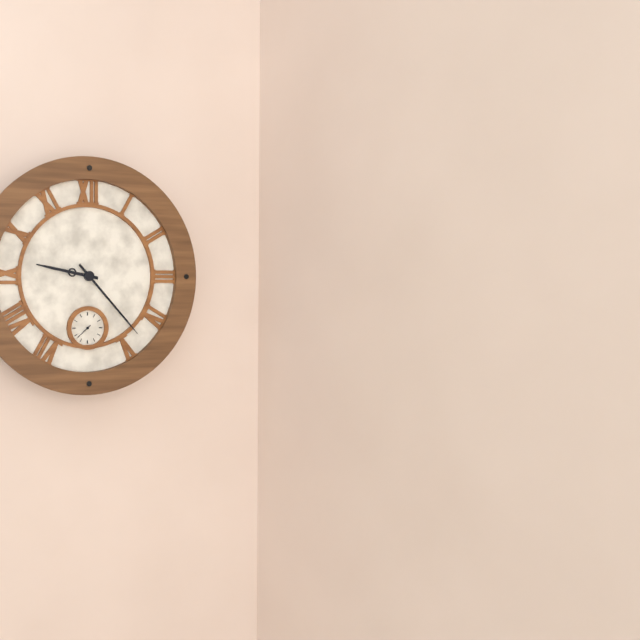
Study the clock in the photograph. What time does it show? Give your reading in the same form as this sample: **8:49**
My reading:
**9:23**
